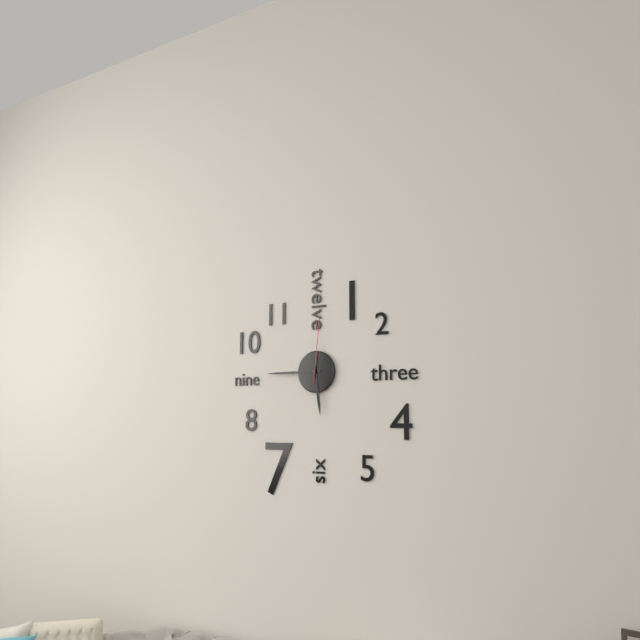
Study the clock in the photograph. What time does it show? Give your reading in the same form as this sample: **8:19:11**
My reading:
**5:45:01**
